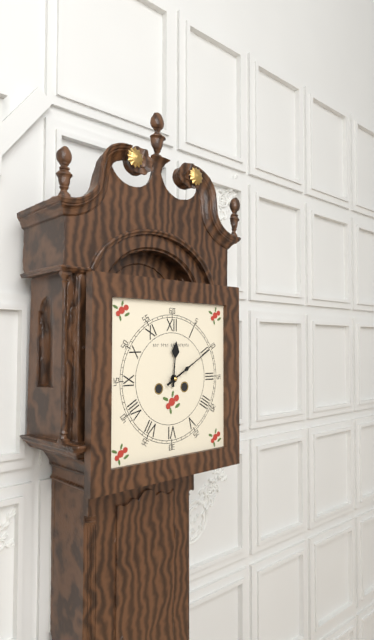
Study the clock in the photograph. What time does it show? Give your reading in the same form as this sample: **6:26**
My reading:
**12:10**
